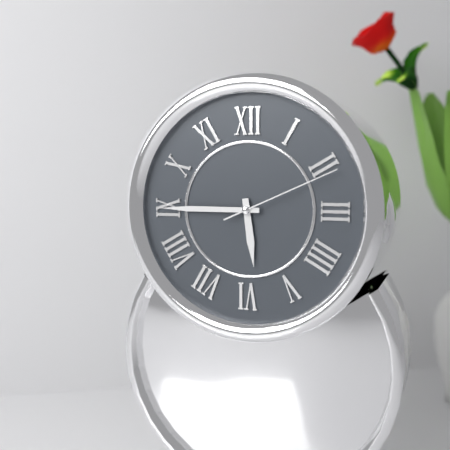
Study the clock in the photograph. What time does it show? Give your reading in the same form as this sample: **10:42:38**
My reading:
**5:45:11**
